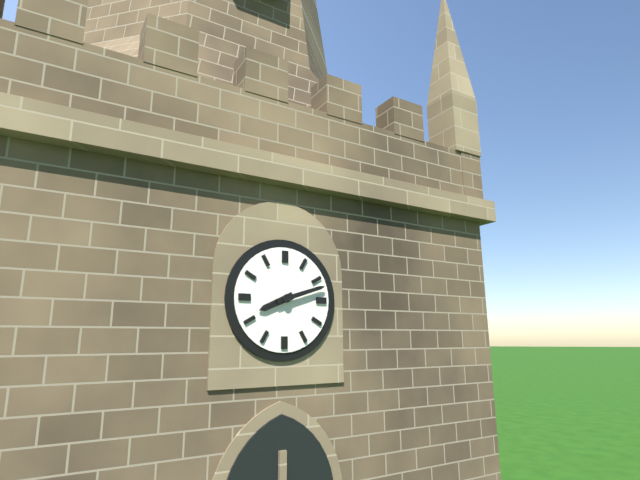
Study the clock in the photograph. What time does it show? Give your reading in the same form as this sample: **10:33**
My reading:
**8:12**
